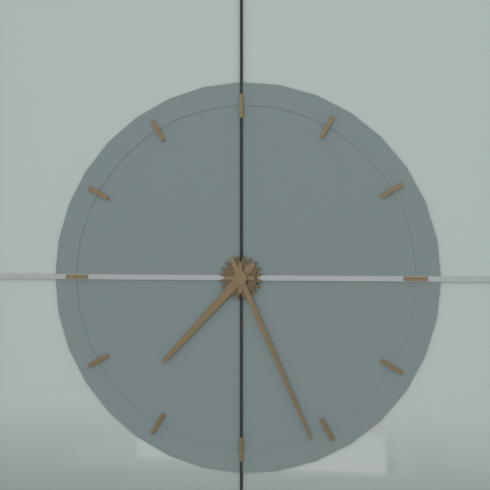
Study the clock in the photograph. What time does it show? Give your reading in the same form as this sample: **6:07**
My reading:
**7:26**
